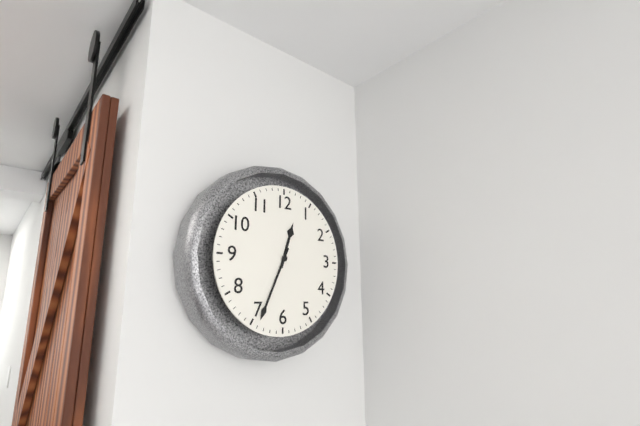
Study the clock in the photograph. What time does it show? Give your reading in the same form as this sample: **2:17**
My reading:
**12:34**
